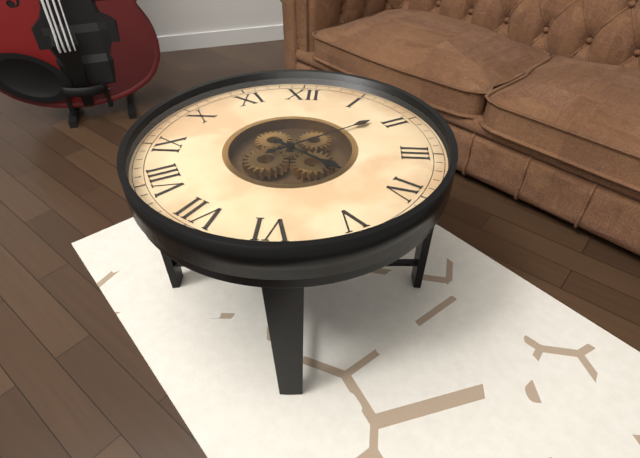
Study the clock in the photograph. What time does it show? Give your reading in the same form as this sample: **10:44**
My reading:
**4:09**
